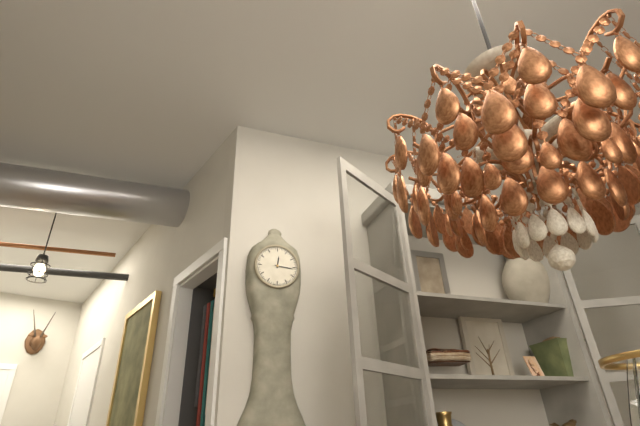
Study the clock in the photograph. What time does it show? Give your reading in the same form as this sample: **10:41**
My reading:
**12:16**
